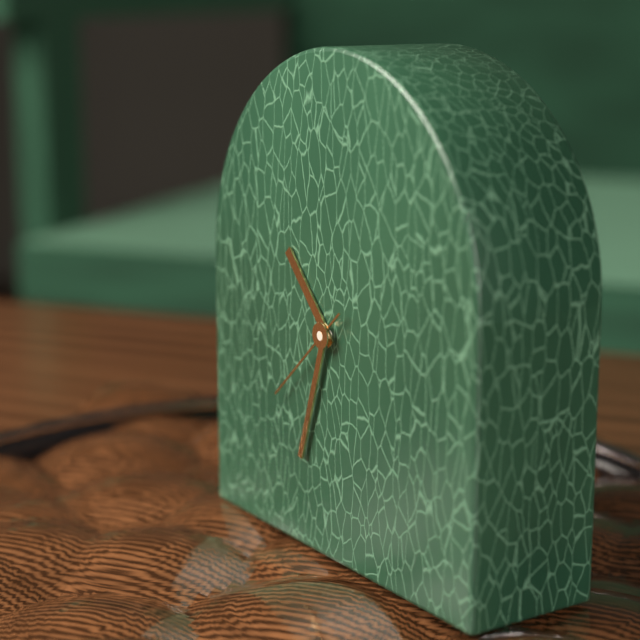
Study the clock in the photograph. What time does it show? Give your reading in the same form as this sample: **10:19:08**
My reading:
**10:33:38**
